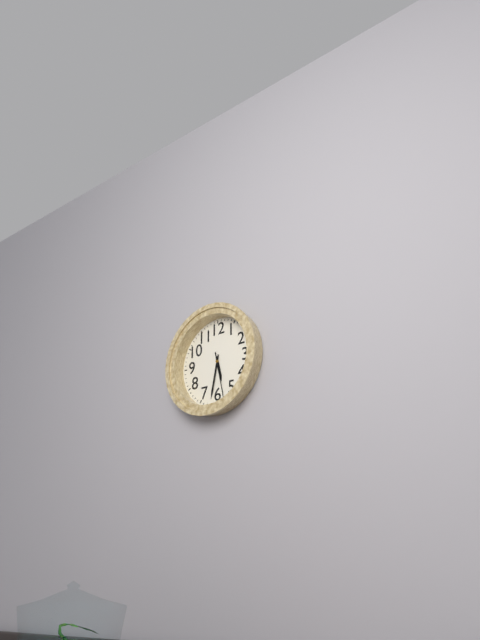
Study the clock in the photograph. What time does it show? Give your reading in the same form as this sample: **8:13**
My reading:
**5:32**
